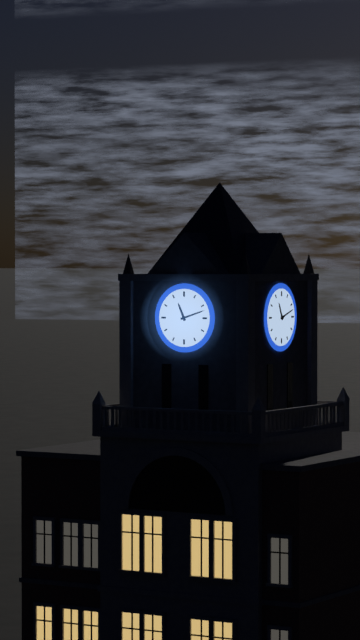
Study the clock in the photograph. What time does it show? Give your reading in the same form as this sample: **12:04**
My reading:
**11:12**
